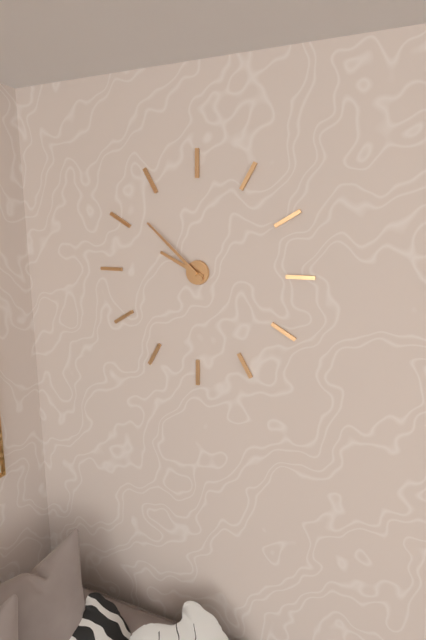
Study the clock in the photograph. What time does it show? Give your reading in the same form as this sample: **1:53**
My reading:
**9:52**
